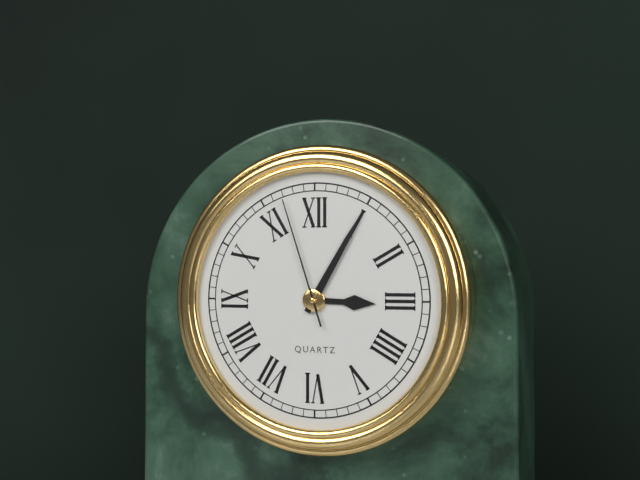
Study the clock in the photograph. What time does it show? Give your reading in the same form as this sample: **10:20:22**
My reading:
**3:05:57**
